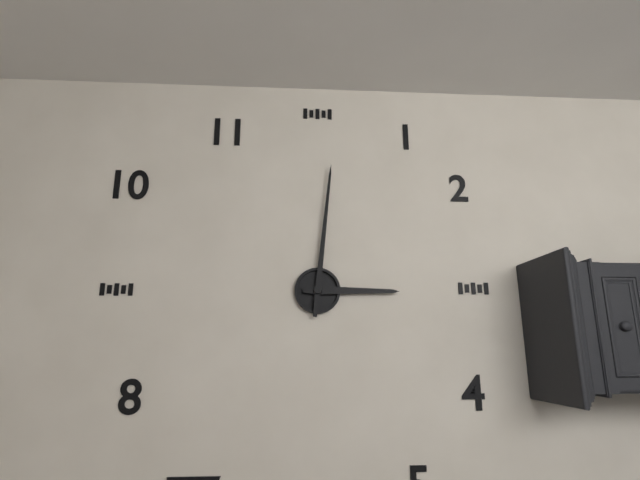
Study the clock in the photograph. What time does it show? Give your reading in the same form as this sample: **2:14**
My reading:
**3:01**
